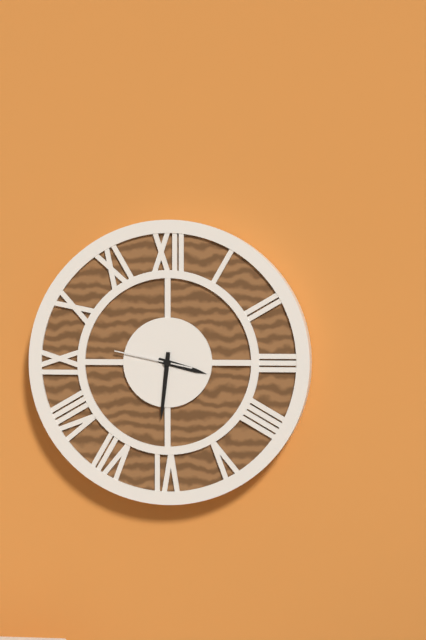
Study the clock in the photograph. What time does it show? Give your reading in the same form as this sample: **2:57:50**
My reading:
**3:31:47**
